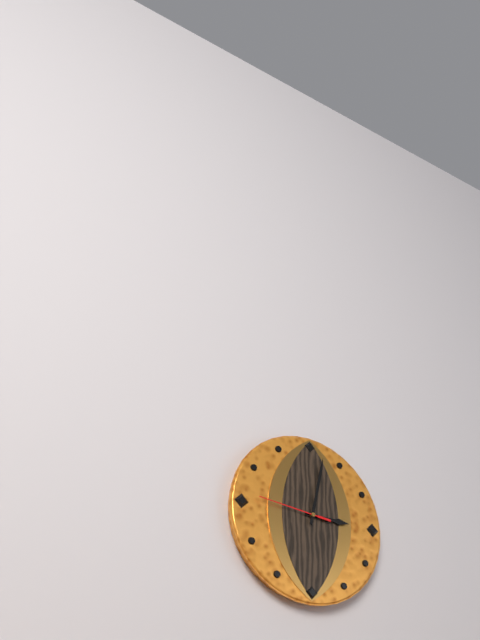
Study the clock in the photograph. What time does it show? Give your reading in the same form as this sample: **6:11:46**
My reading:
**3:02:46**
